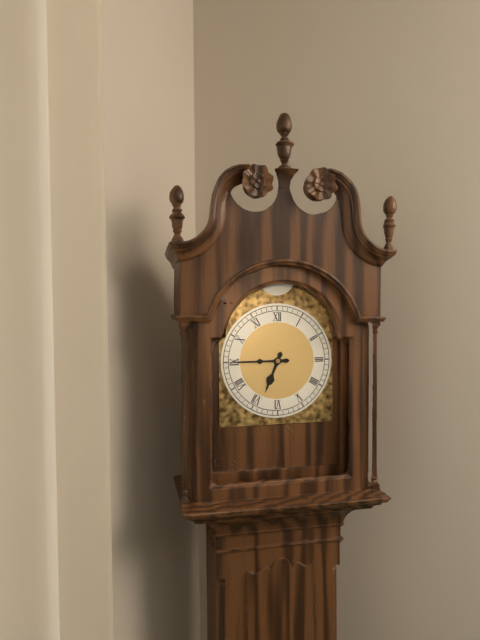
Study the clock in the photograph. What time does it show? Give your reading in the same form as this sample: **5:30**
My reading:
**6:45**
